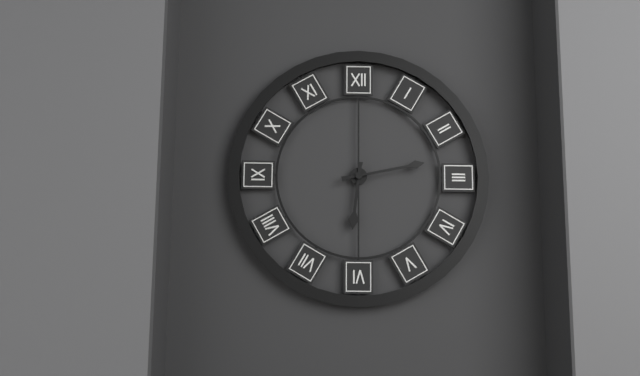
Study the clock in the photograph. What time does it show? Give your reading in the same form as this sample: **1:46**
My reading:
**6:13**
